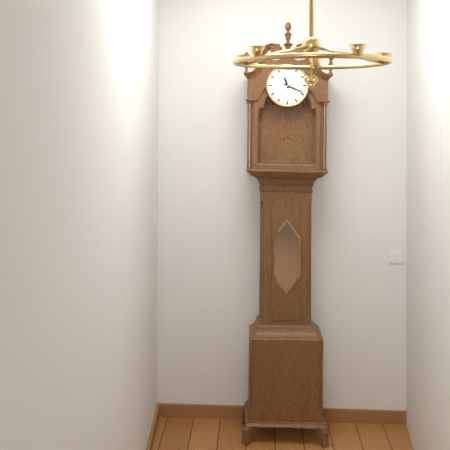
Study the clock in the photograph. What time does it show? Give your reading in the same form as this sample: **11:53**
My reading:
**11:19**
